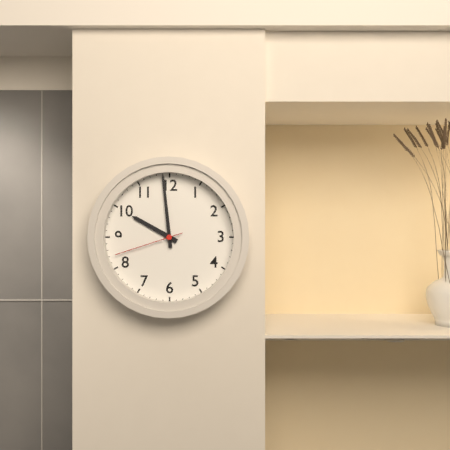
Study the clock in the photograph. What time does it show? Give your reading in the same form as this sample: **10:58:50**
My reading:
**9:59:42**
